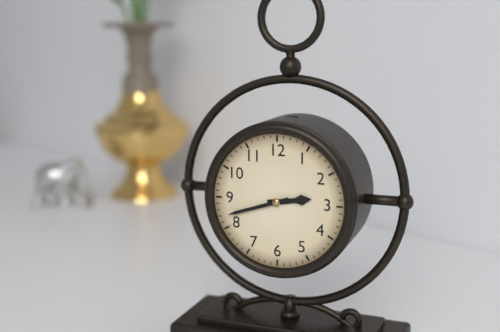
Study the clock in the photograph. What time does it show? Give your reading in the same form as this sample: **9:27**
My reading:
**2:42**
